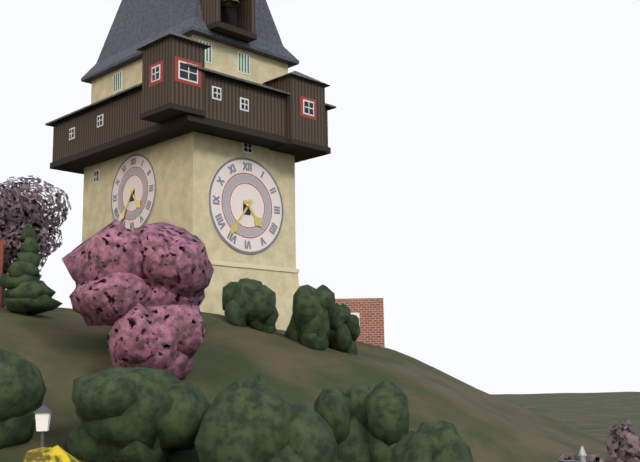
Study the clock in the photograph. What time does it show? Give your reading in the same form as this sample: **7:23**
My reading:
**4:36**
